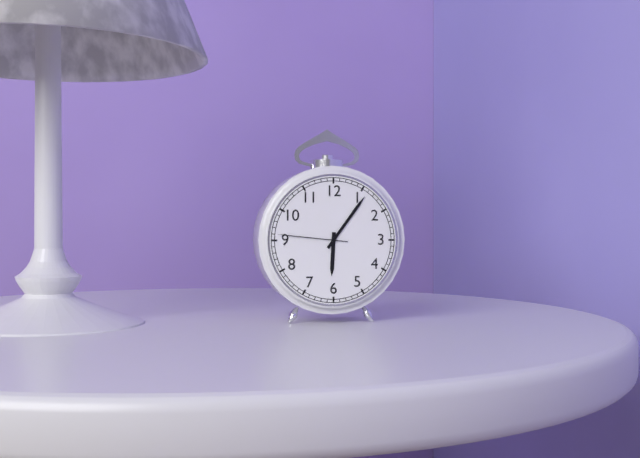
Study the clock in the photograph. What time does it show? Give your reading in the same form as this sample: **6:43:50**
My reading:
**6:06:46**
